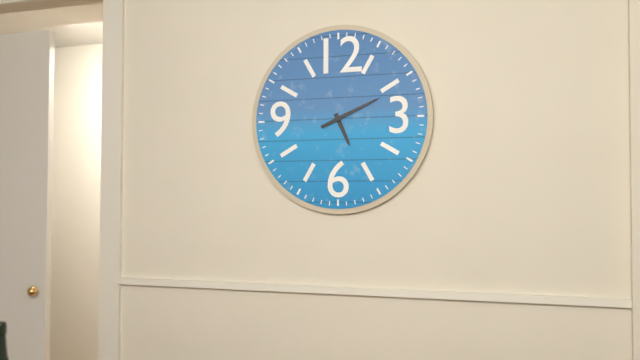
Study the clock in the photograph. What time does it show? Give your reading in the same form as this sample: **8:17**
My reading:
**5:11**
